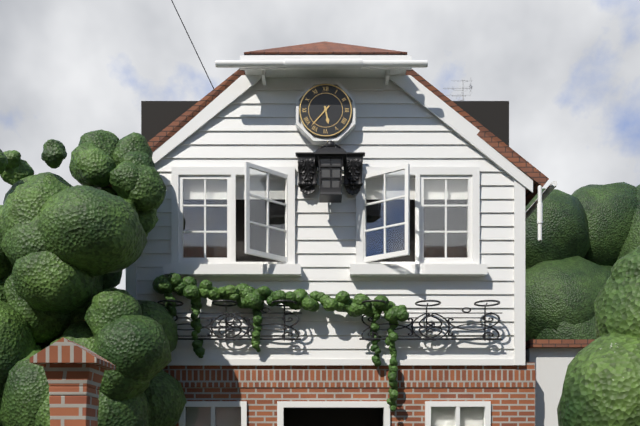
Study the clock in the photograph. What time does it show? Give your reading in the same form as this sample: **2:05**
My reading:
**5:37**
